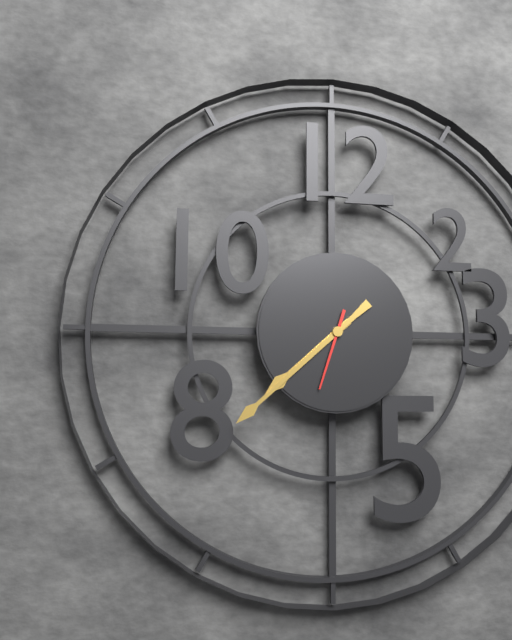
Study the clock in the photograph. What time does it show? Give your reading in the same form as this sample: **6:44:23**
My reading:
**7:38:33**
